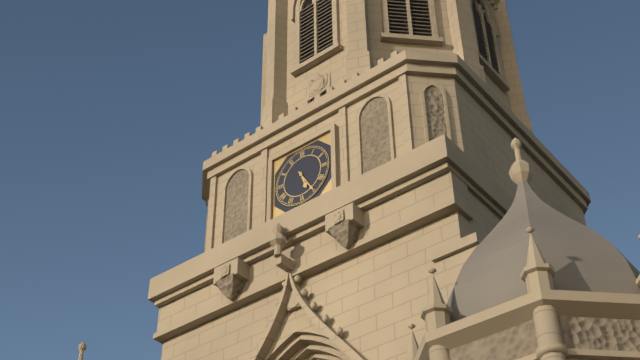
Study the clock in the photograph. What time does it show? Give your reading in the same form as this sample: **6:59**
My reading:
**5:25**
